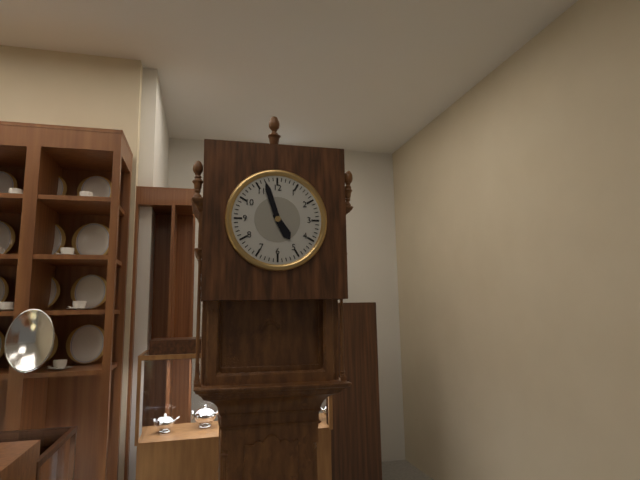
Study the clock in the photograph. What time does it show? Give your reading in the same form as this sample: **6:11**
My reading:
**4:57**
